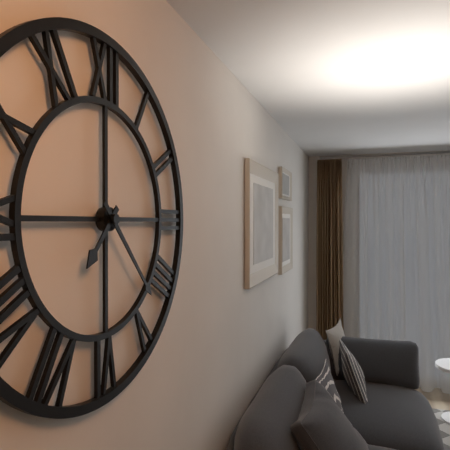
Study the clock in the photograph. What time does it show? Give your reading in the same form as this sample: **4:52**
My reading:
**7:23**
